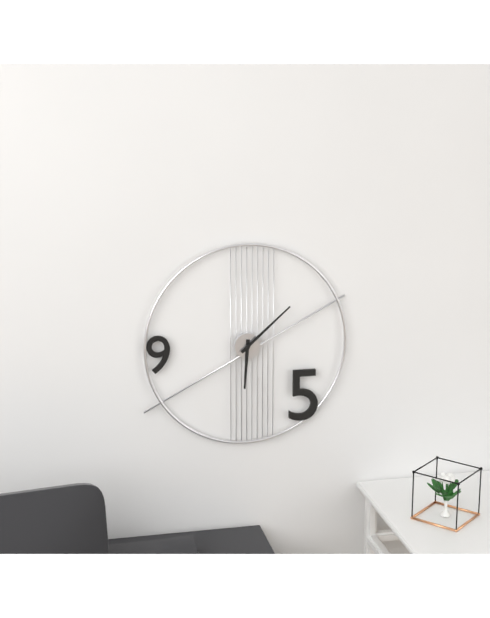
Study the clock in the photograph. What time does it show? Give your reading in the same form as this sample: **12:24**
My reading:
**6:08**
